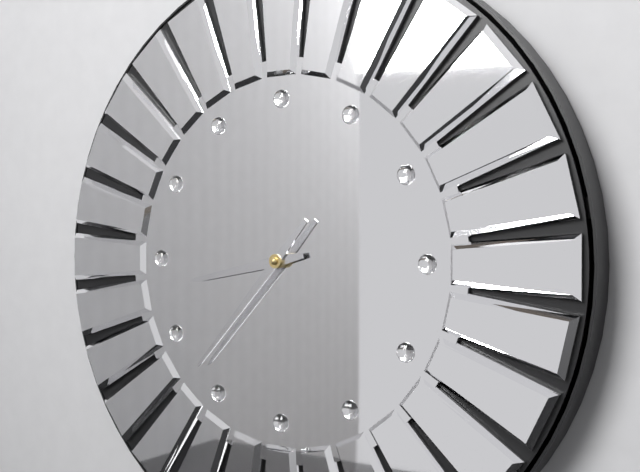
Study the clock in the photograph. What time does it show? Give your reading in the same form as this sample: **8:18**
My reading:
**8:37**
